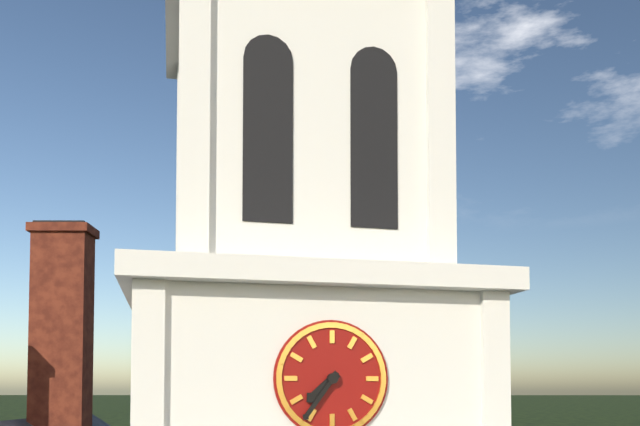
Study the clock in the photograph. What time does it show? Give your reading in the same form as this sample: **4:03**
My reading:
**7:36**
